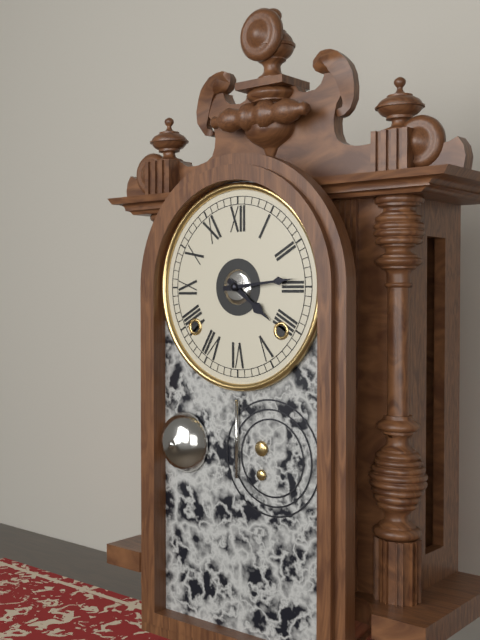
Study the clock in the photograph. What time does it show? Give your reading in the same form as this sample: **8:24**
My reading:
**4:14**
